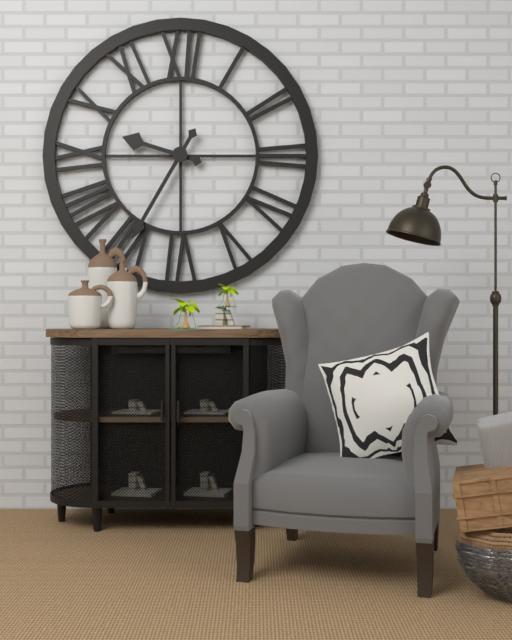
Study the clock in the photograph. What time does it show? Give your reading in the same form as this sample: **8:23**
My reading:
**9:35**
